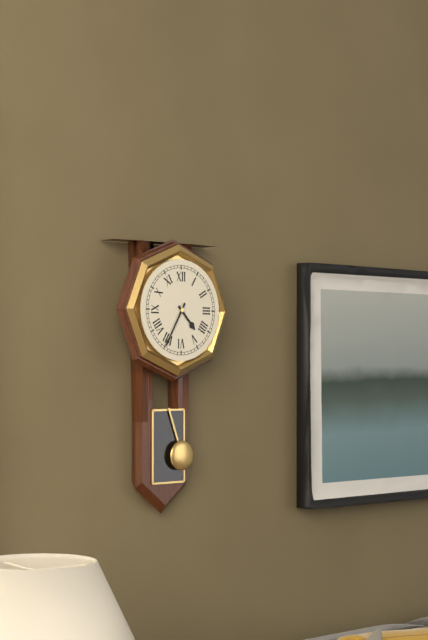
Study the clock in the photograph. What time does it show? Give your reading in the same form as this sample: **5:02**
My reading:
**4:35**
